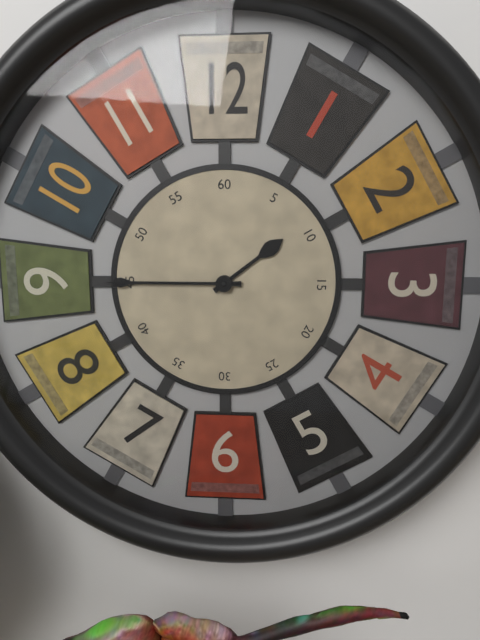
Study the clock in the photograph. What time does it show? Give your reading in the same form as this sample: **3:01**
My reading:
**1:45**
